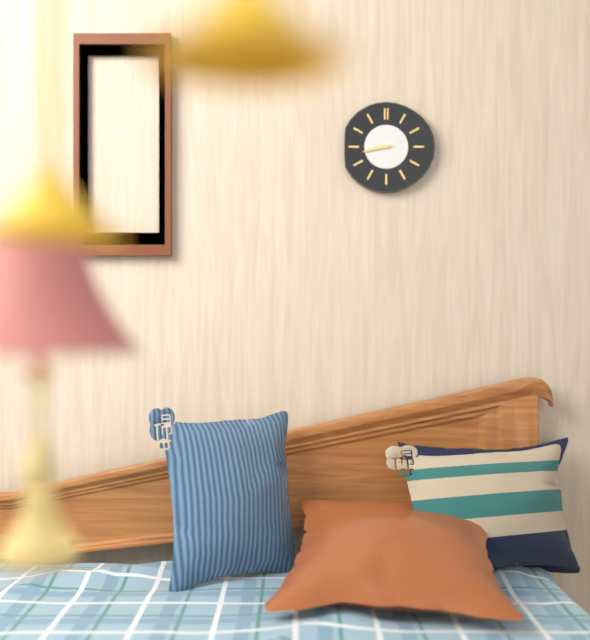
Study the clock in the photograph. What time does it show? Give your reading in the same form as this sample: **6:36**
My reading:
**8:43**
